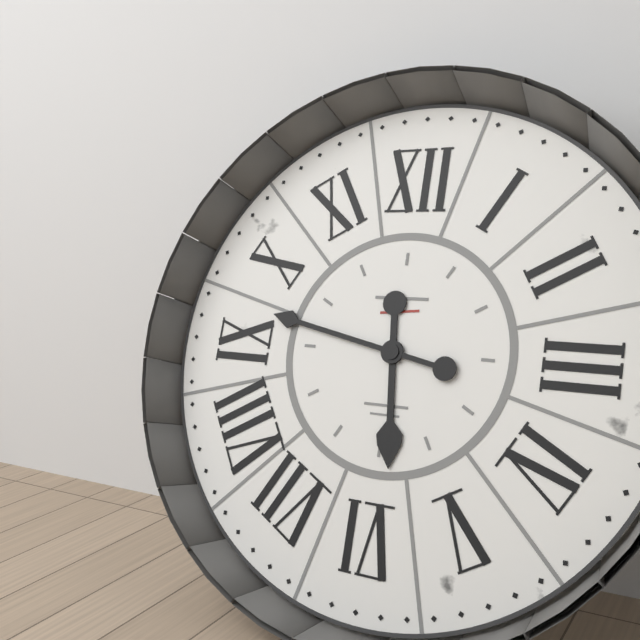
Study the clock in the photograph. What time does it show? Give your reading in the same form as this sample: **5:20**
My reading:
**5:47**
